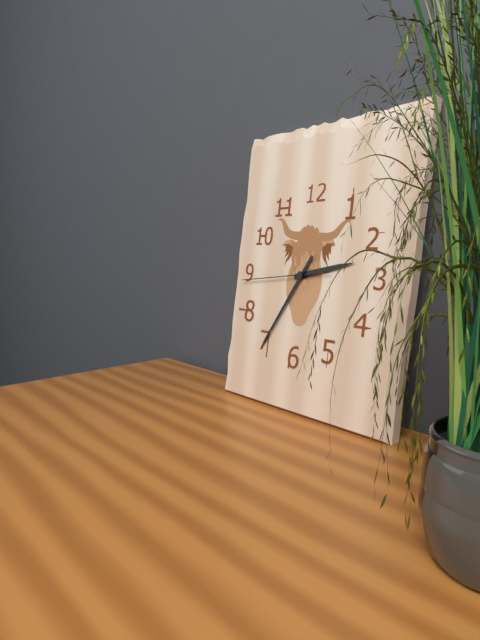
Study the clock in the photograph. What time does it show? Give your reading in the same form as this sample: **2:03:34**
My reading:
**2:35:44**
